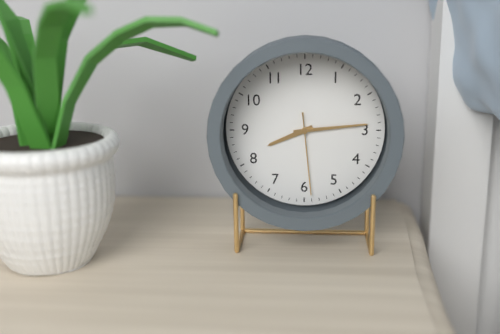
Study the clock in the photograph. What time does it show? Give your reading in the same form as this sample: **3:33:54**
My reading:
**8:14:29**
